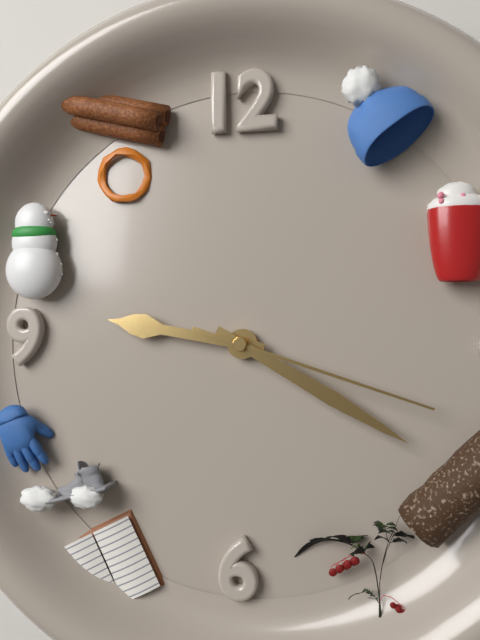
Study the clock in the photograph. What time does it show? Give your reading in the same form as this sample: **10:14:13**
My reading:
**9:20:18**
